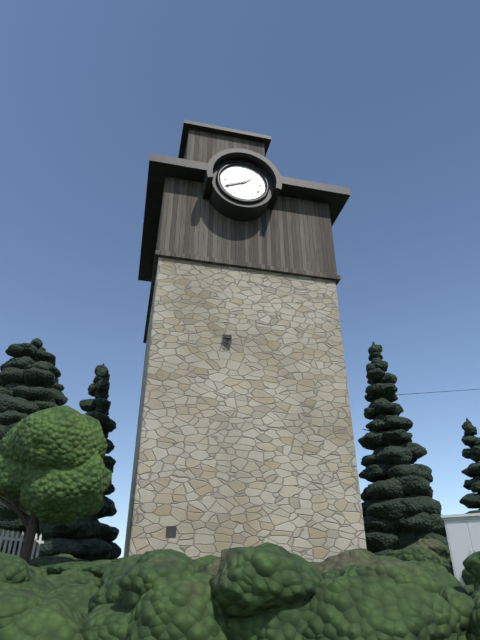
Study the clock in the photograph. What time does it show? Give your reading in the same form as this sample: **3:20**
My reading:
**1:41**
